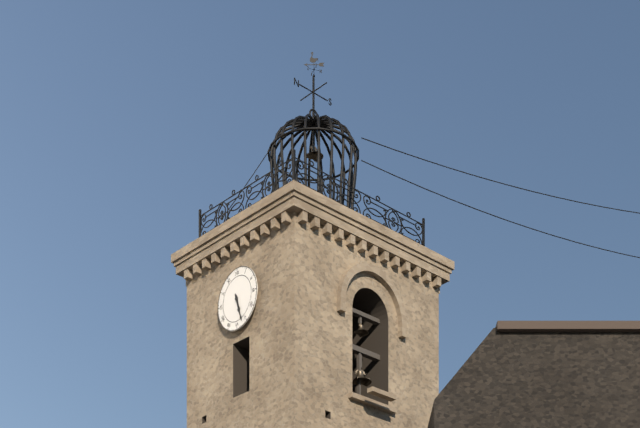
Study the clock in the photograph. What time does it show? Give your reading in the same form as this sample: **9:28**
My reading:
**5:27**
